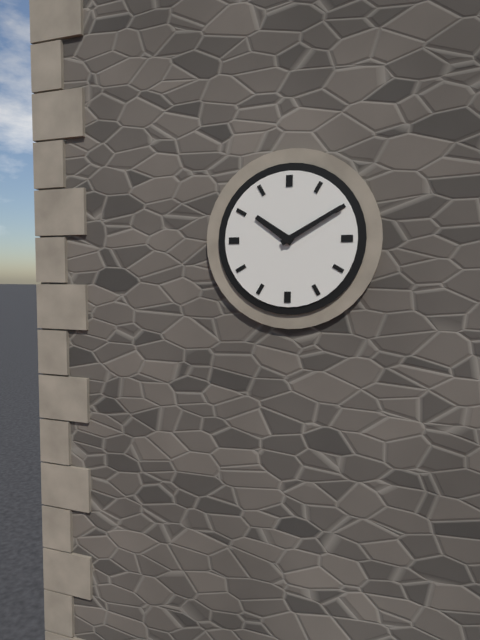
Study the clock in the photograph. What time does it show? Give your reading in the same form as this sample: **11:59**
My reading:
**10:10**
